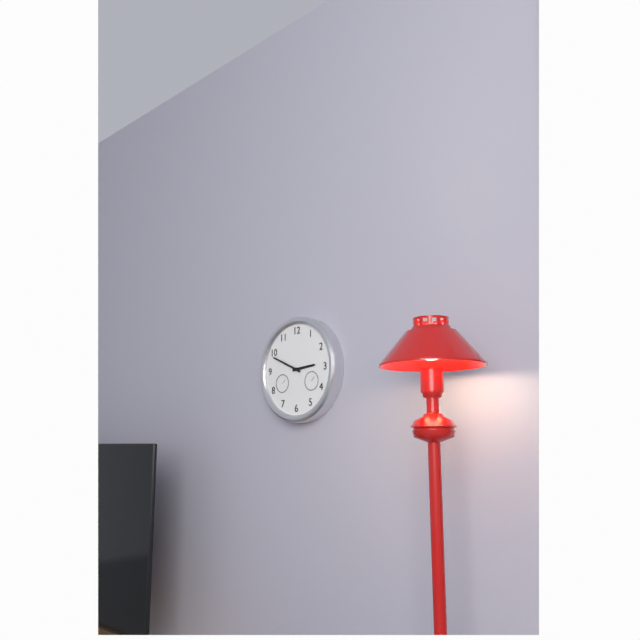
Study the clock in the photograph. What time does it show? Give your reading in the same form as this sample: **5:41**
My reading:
**2:49**
